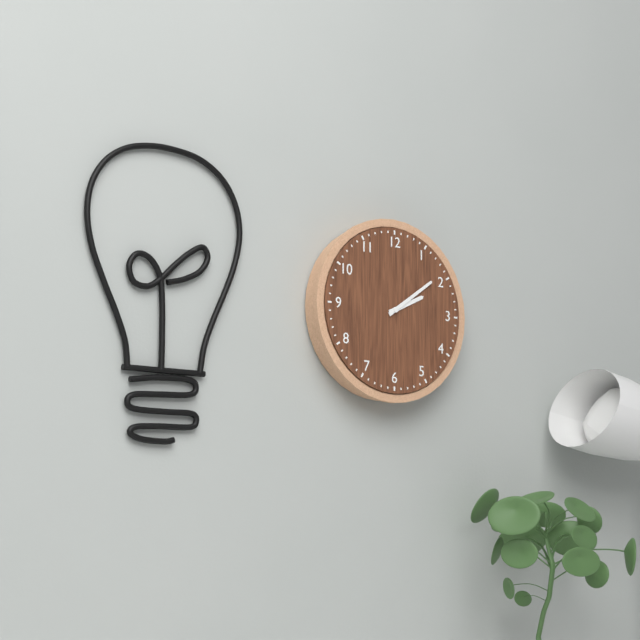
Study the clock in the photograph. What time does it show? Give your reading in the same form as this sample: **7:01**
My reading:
**2:09**
